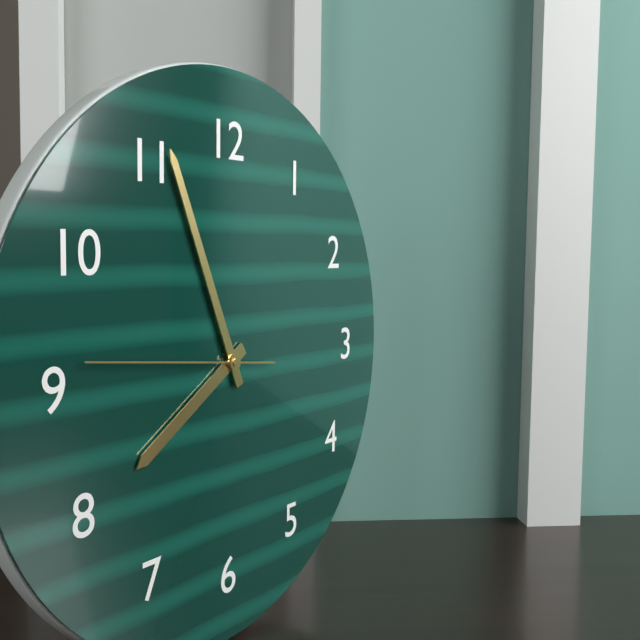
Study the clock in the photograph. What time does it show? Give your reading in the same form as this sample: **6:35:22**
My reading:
**7:56:46**
